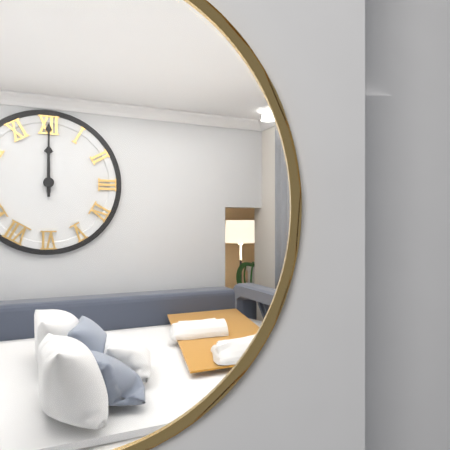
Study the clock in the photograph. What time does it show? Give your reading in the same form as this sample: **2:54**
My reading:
**12:00**
